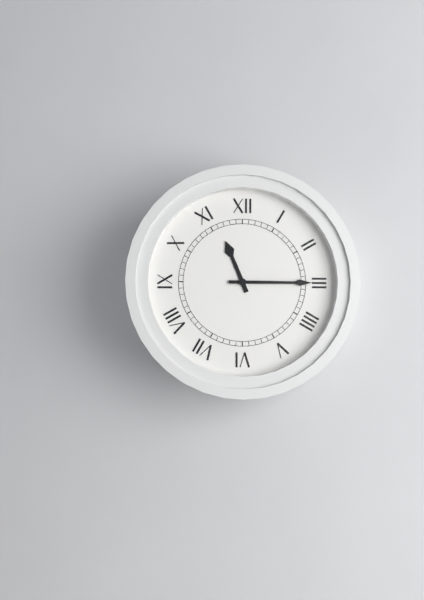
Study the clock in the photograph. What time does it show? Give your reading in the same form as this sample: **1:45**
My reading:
**11:15**
